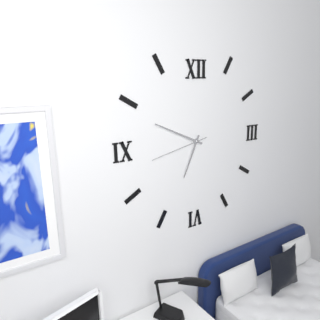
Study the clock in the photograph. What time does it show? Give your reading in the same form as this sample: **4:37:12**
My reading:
**6:49:43**
